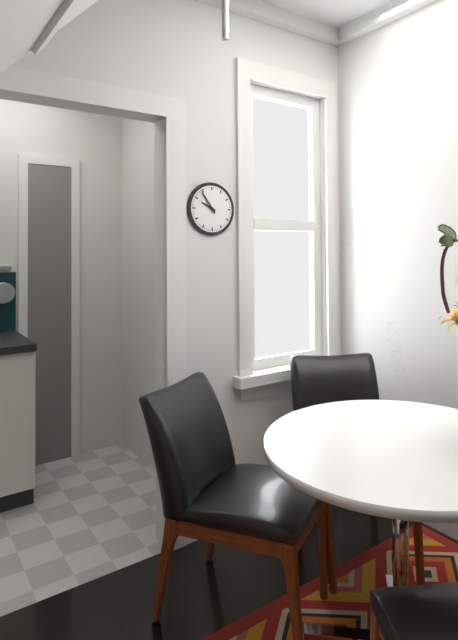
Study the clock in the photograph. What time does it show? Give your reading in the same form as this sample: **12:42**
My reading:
**9:54**
